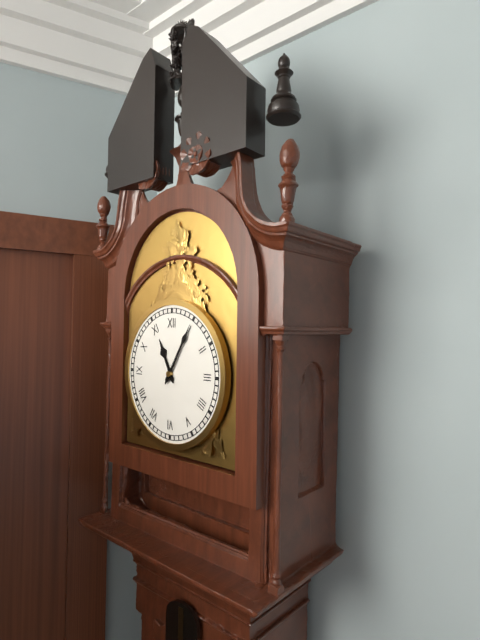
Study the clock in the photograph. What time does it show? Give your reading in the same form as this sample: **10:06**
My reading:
**11:05**
